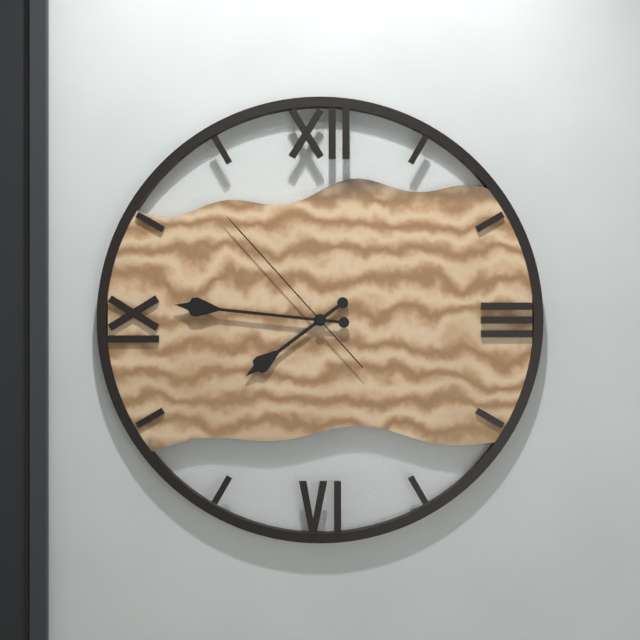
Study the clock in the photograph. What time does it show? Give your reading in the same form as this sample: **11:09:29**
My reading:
**7:46:53**
